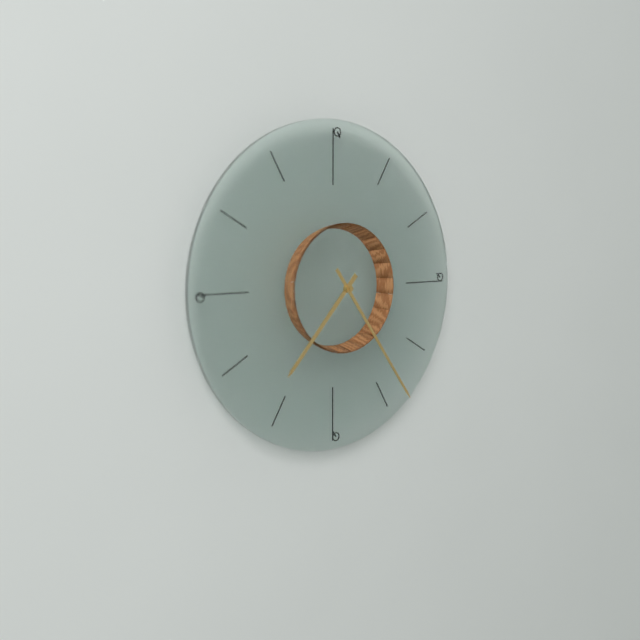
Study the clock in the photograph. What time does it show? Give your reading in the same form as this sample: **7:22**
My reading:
**7:24**
